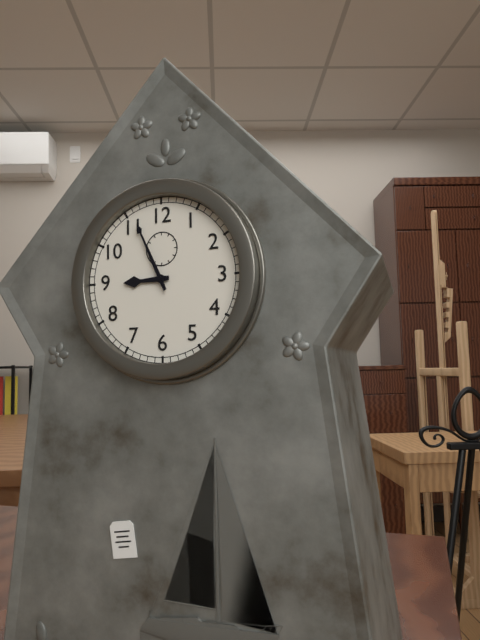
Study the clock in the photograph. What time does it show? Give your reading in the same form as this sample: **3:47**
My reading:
**8:56**
